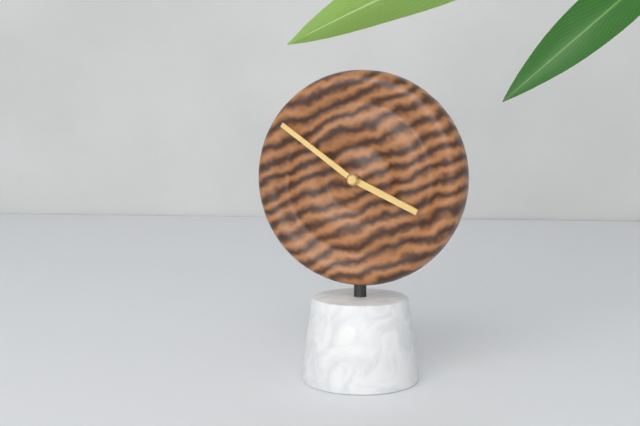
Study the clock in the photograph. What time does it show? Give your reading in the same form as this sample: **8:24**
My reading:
**3:51**
